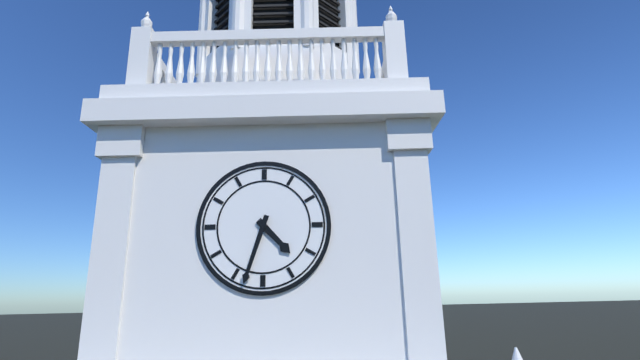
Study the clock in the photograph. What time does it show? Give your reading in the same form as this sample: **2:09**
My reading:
**4:33**
